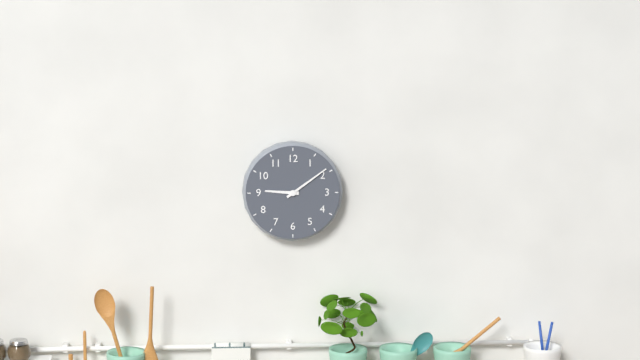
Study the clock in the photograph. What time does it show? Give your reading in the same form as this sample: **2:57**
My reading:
**9:09**
